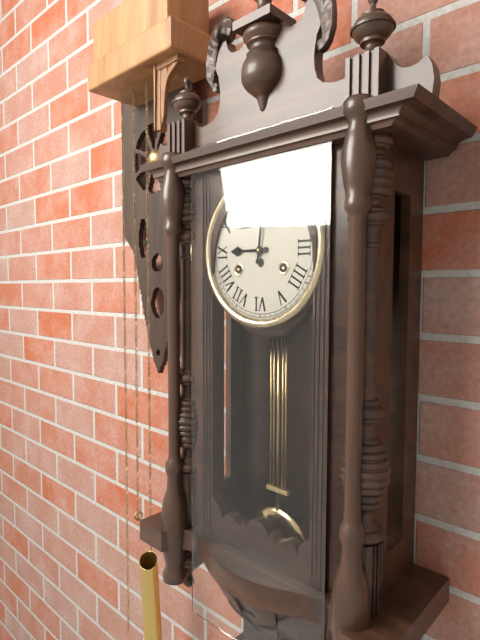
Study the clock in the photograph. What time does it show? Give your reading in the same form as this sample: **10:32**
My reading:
**9:01**
